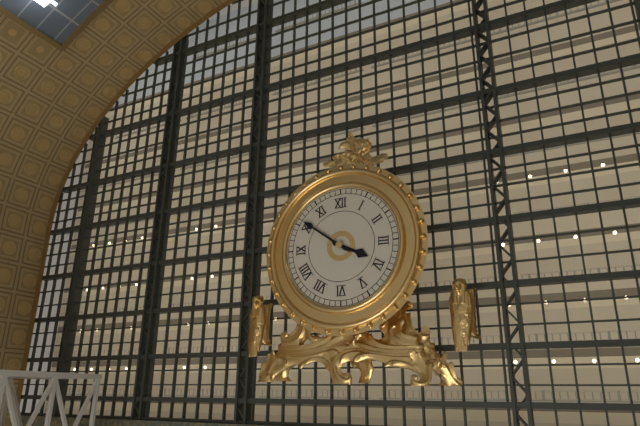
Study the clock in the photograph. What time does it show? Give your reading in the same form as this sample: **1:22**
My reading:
**3:51**
